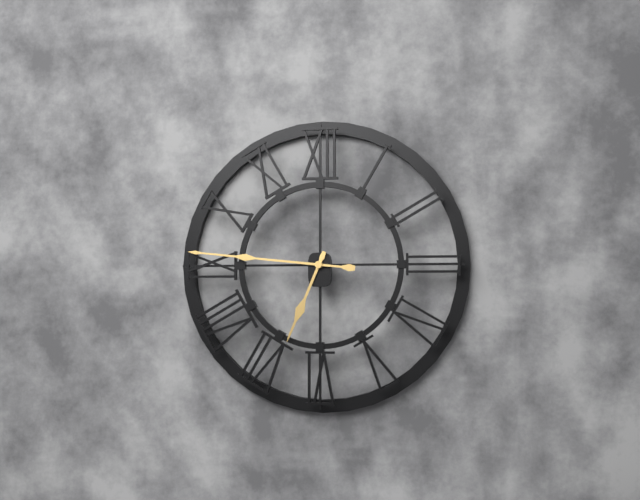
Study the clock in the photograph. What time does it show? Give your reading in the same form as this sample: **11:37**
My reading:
**6:46**
